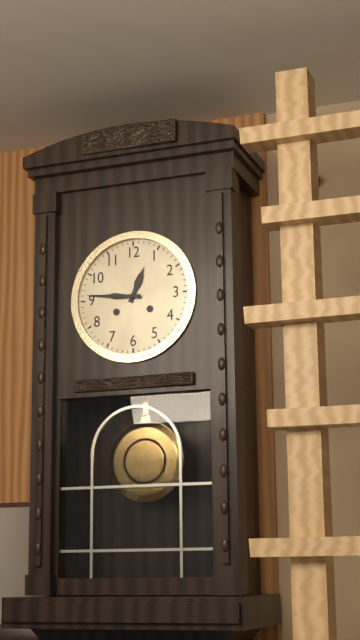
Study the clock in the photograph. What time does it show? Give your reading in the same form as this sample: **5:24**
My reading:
**12:46**
